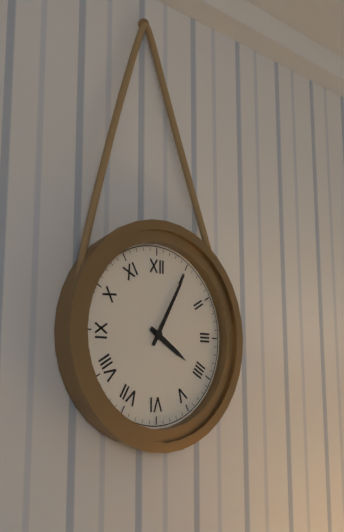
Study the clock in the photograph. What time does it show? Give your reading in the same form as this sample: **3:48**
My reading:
**4:05**
